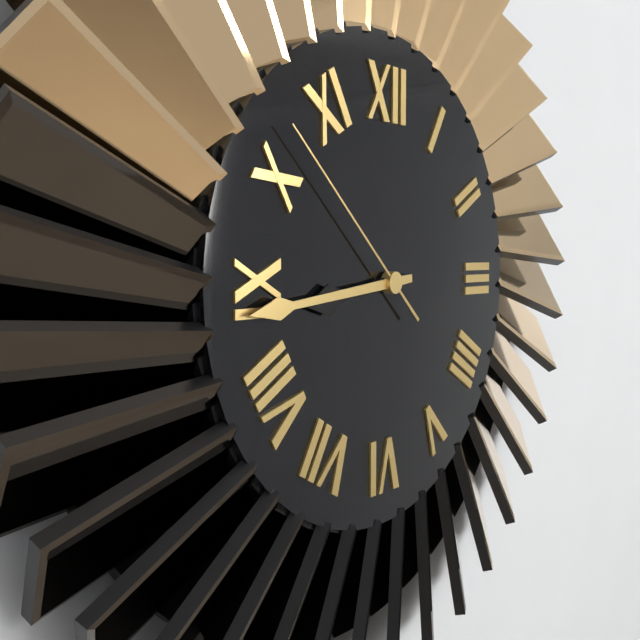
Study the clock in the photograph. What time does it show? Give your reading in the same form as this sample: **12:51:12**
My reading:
**8:44:52**
